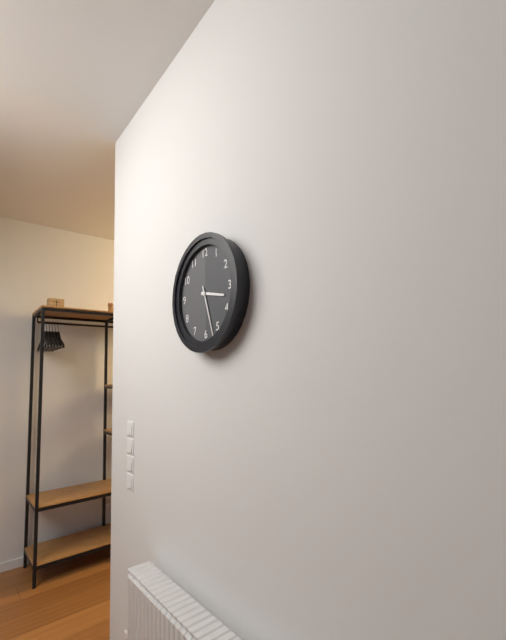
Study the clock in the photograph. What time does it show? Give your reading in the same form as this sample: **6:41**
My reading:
**3:27**
